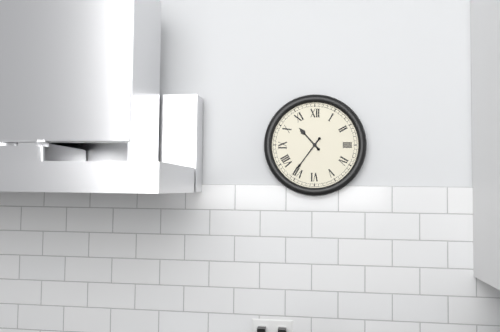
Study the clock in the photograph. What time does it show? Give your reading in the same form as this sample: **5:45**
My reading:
**10:36**
